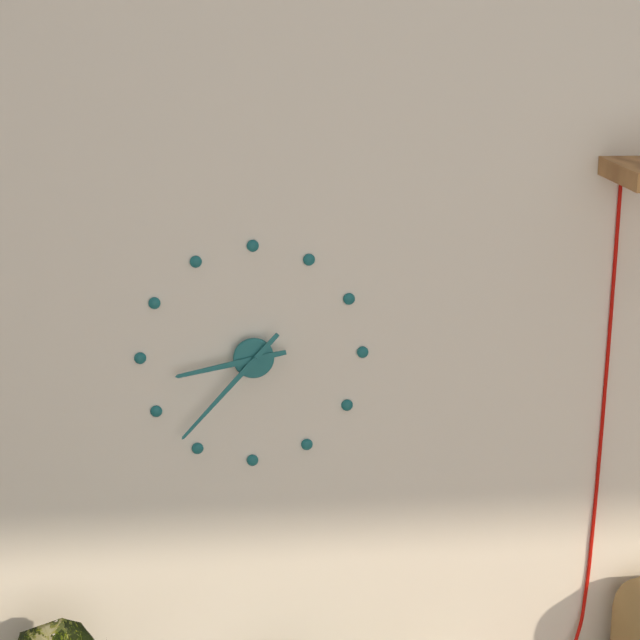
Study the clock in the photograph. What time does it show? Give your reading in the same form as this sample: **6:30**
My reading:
**8:37**
